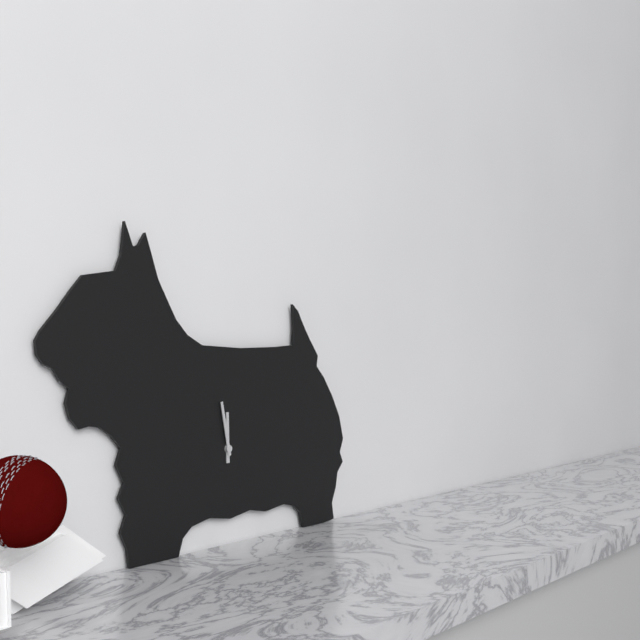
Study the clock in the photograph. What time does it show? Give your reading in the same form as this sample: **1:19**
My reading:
**11:58**
